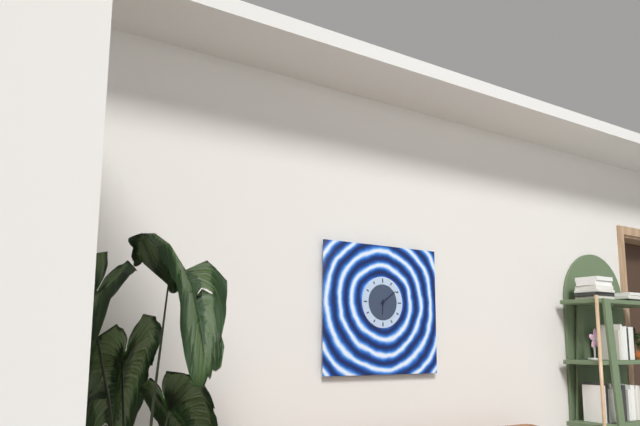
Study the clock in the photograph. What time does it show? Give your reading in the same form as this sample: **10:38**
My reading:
**6:09**
